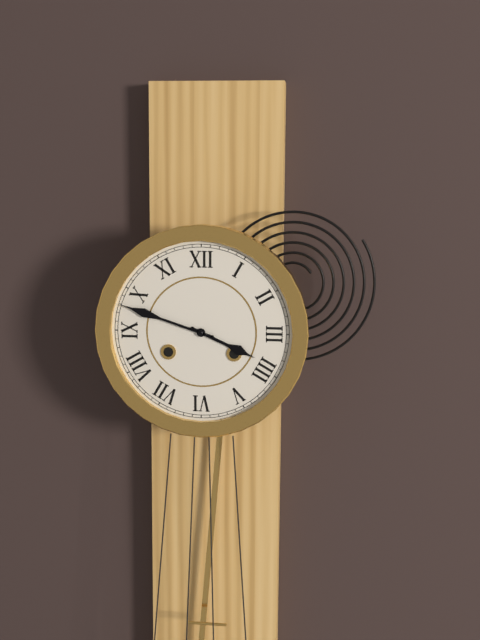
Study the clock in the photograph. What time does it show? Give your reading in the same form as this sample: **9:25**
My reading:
**3:48**
